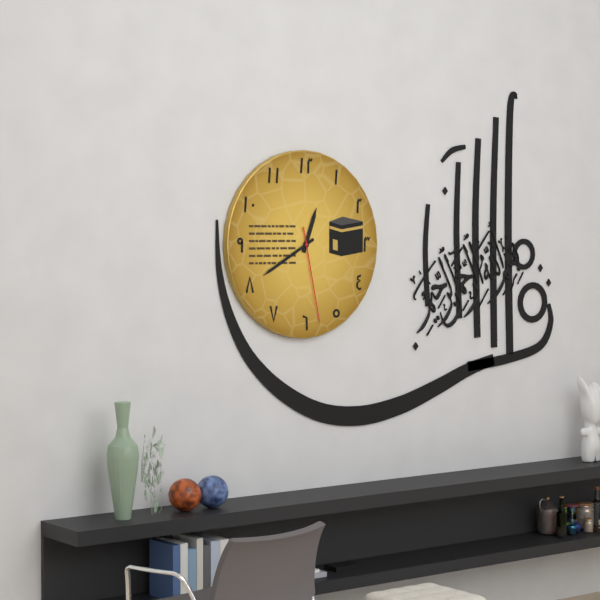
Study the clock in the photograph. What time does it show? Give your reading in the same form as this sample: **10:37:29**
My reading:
**12:40:28**
